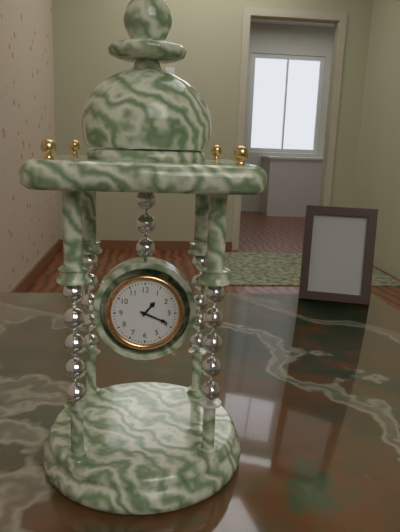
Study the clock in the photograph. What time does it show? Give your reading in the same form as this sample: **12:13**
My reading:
**1:19**
